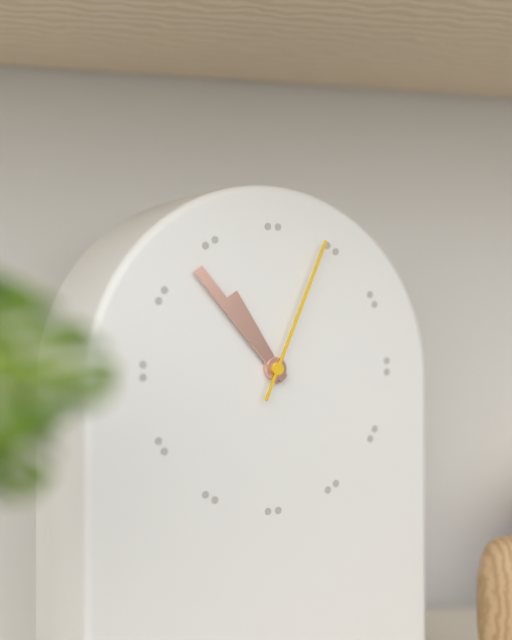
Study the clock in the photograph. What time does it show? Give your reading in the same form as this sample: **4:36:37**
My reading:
**10:53:04**
